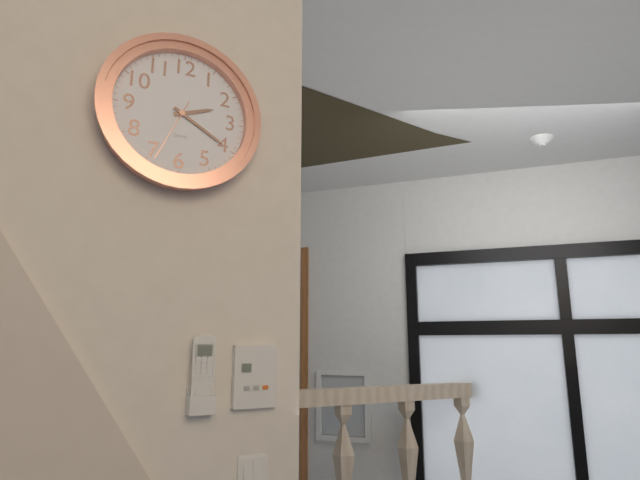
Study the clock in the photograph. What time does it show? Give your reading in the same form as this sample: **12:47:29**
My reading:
**2:20:34**
